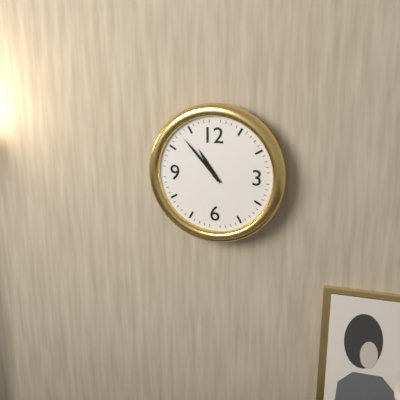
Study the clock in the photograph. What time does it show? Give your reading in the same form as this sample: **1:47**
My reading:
**10:53**
